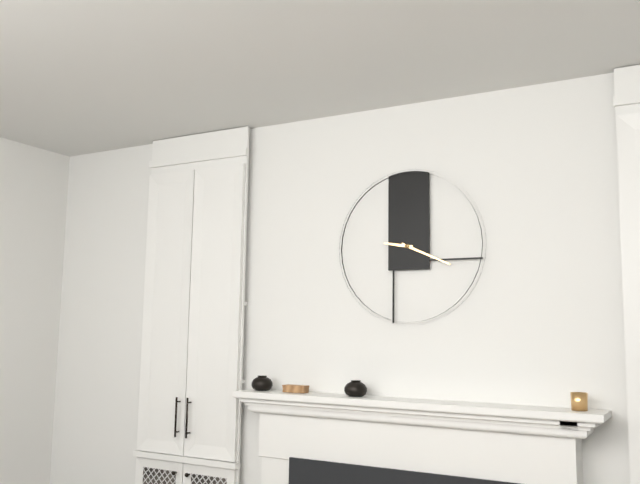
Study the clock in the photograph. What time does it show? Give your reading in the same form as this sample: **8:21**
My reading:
**9:19**
